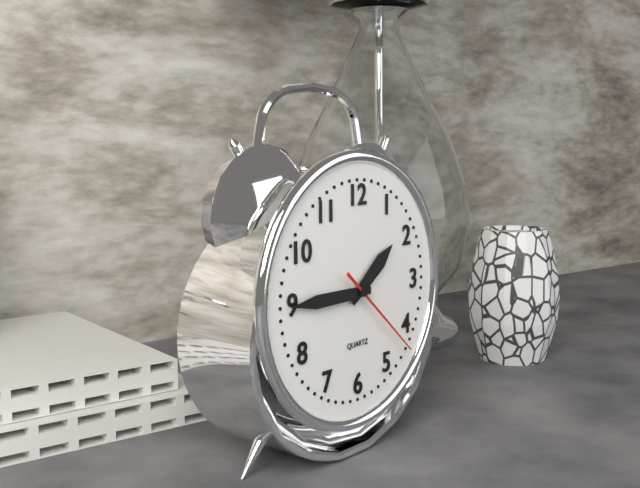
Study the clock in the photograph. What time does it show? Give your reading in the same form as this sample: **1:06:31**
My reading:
**1:45:22**
